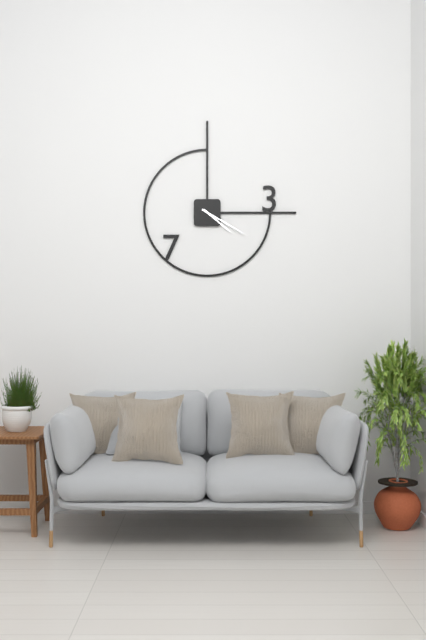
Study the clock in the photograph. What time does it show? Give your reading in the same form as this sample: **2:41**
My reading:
**4:20**
